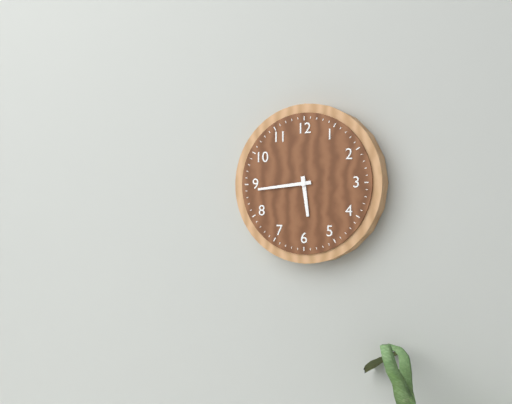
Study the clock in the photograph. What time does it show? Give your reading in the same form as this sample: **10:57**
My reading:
**5:44**
